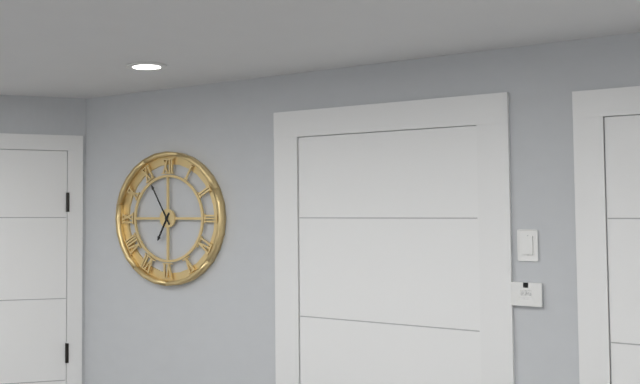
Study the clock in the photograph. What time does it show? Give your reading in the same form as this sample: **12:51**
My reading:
**6:55**
